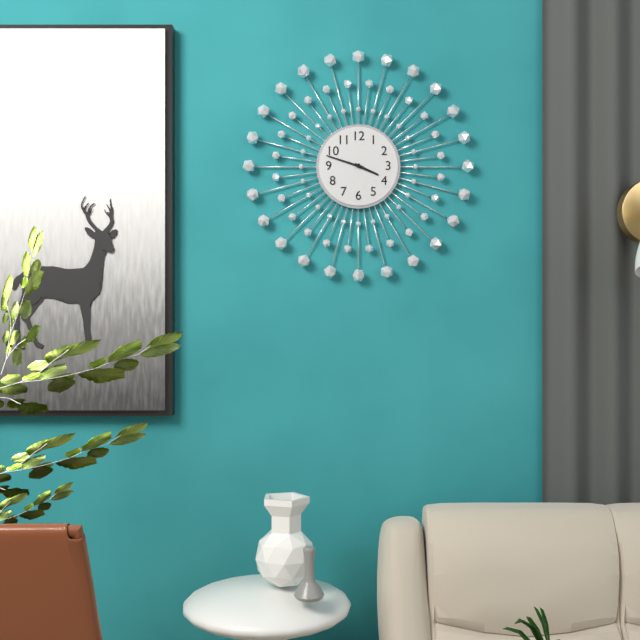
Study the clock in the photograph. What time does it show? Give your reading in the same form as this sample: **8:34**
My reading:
**3:48**
